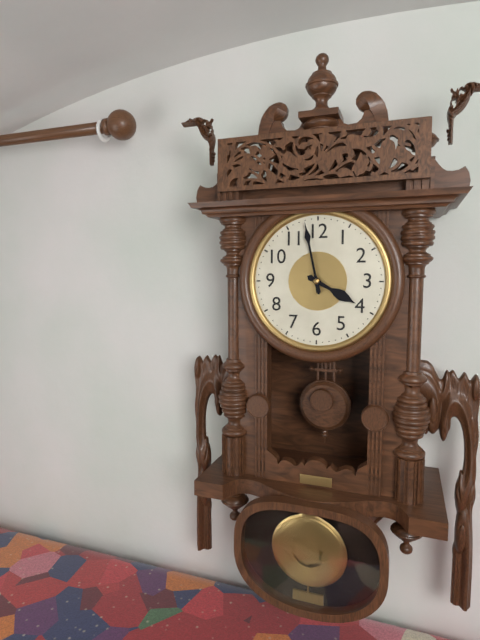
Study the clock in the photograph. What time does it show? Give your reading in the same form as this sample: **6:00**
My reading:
**3:58**
